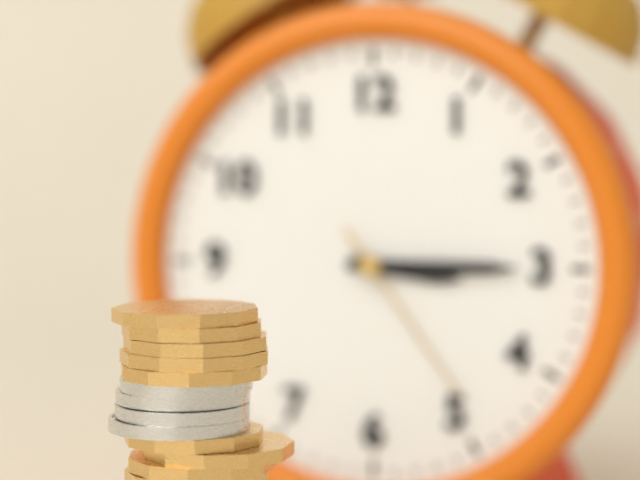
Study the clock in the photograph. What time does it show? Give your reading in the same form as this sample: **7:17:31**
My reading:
**3:15:24**
